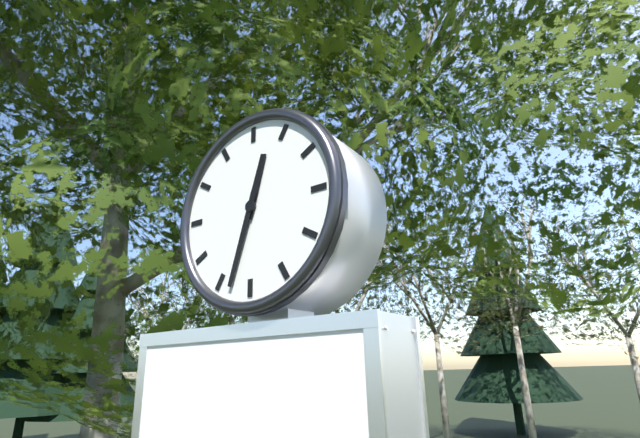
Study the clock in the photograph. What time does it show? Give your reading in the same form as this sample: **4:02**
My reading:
**12:33**
